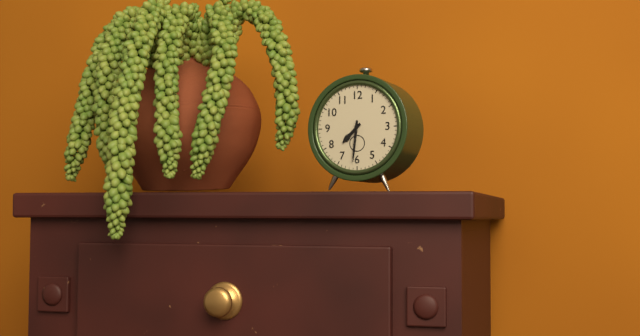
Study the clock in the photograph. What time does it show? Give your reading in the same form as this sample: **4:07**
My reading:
**7:31**
